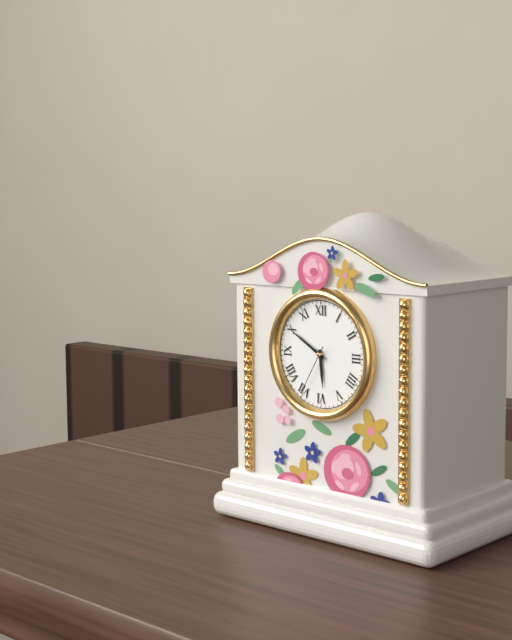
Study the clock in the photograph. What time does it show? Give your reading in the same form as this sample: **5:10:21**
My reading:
**5:50:35**
